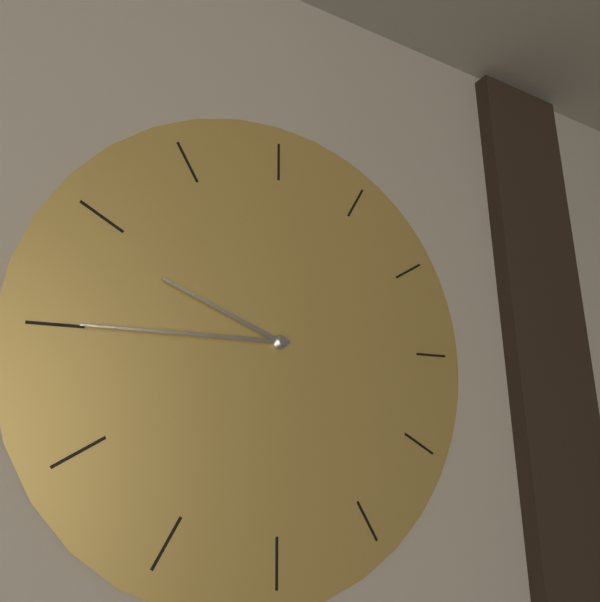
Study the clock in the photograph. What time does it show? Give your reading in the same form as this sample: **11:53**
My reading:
**9:45**
